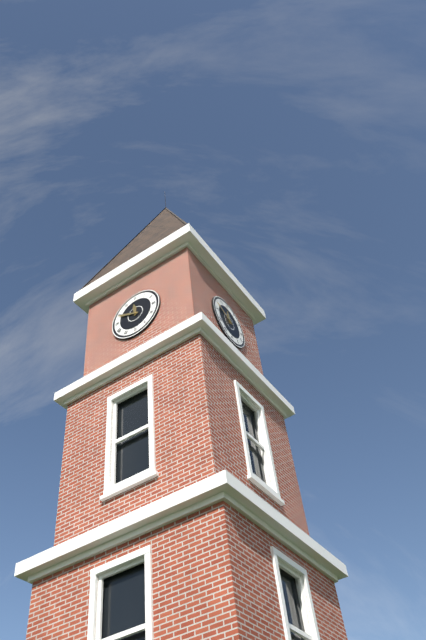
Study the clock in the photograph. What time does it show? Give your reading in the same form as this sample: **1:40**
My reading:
**11:49**
